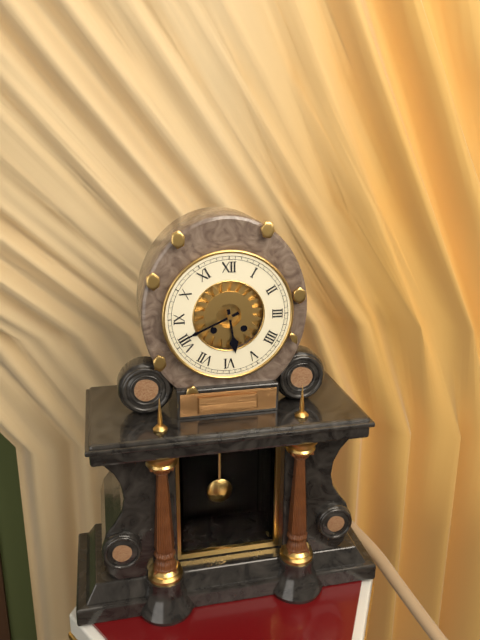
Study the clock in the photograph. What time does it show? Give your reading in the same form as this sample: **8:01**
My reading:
**5:41**
